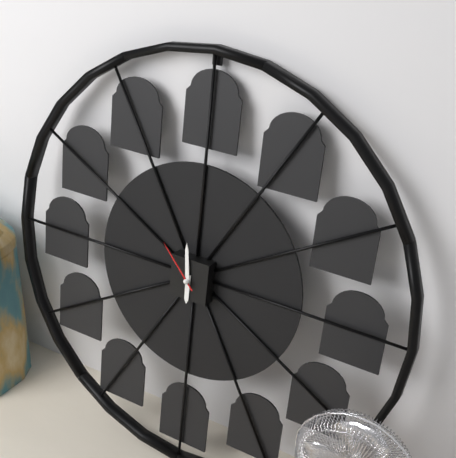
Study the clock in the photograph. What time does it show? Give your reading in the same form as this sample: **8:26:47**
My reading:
**5:59:53**
